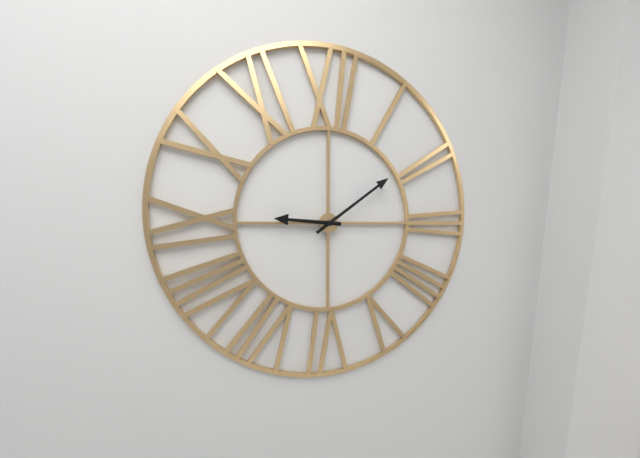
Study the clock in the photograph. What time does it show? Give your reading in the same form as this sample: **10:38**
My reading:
**9:09**
